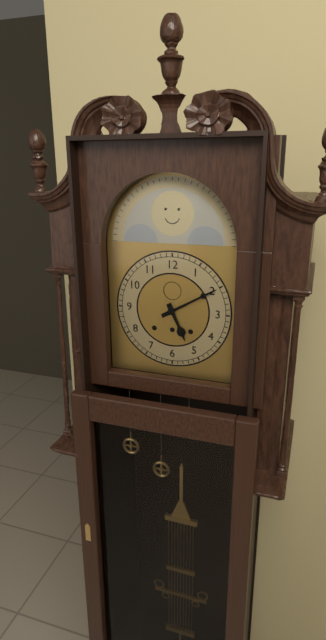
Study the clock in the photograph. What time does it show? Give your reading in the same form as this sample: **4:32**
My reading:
**5:10**
